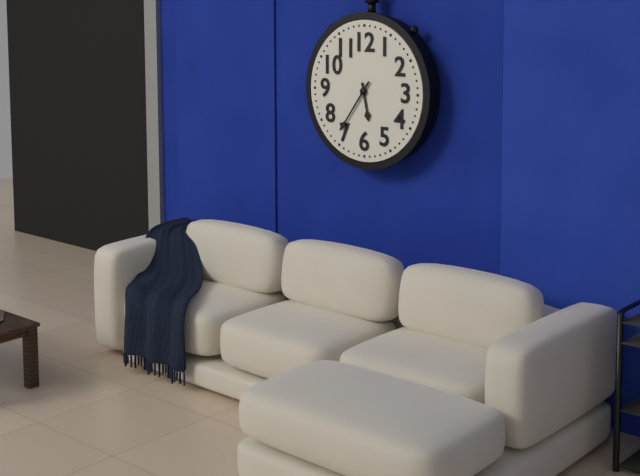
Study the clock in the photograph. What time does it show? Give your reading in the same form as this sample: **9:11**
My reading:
**5:36**
